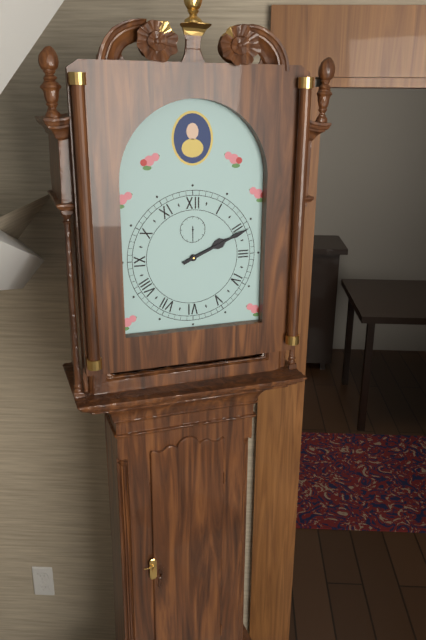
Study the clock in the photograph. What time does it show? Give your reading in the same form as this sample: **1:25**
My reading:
**2:11**
